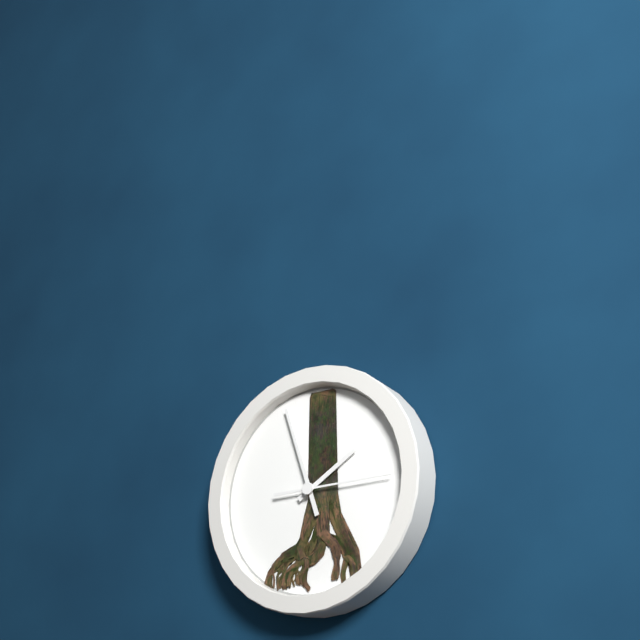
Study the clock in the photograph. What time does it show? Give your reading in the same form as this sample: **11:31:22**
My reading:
**1:57:15**
